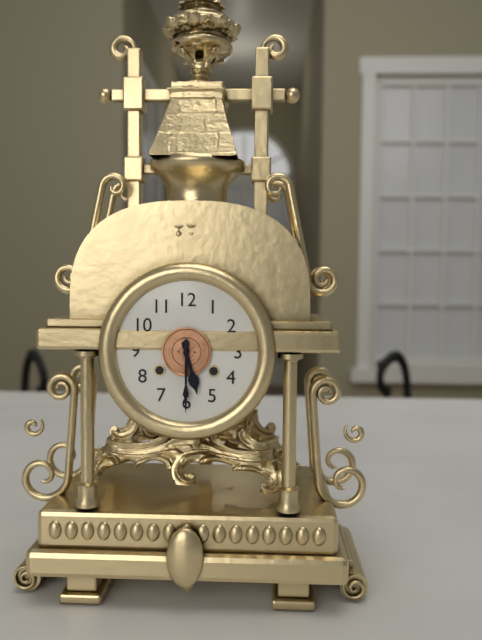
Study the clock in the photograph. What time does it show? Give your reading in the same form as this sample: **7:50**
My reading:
**5:30**
